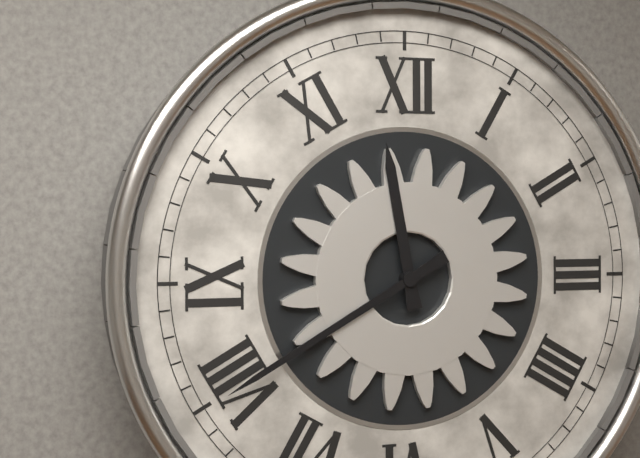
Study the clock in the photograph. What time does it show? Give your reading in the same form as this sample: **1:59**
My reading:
**11:40**
